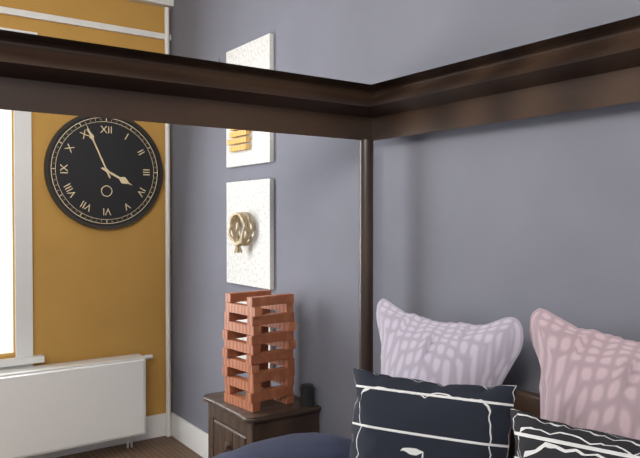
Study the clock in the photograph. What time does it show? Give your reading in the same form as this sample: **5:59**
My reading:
**3:56**
